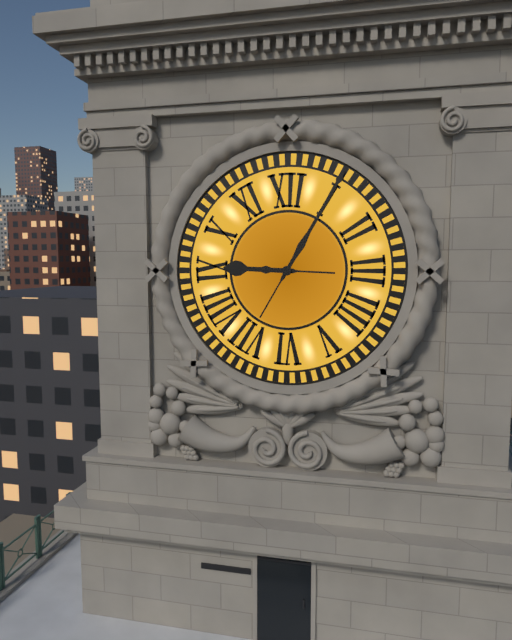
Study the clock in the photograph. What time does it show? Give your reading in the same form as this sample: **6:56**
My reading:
**9:05**
